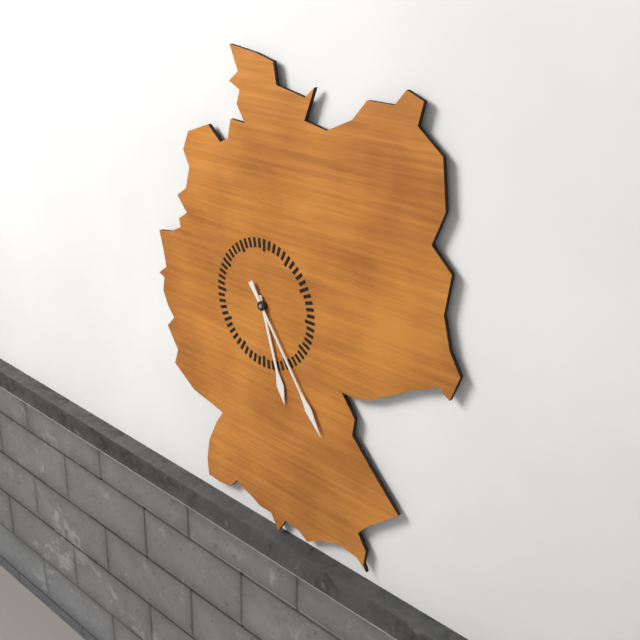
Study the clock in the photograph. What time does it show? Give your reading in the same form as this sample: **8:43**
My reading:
**5:24**
